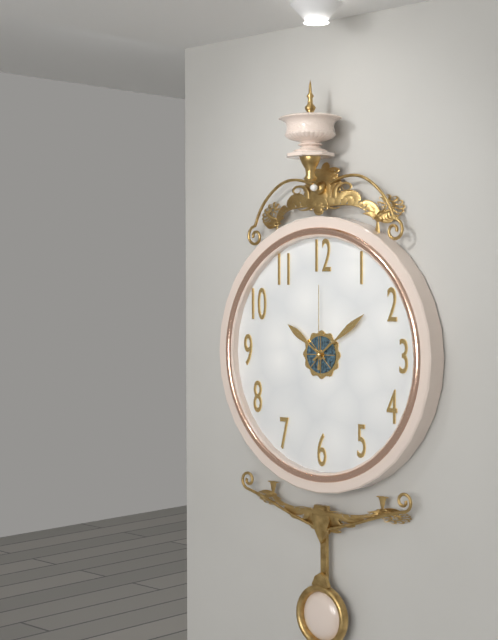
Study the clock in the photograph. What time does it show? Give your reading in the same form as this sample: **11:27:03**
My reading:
**10:09:00**
